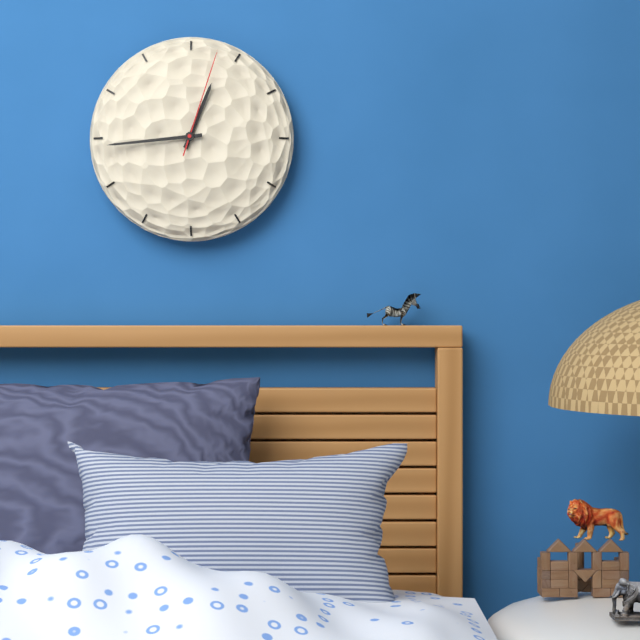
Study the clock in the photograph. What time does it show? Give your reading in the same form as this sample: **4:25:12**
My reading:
**12:44:03**
